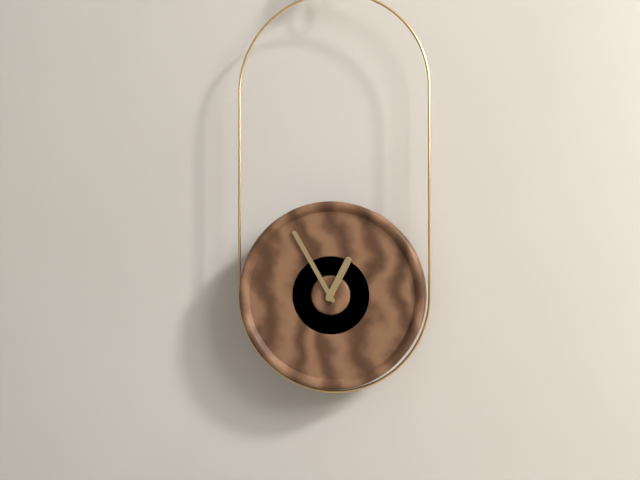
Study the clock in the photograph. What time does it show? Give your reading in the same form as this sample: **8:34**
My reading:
**12:55**
